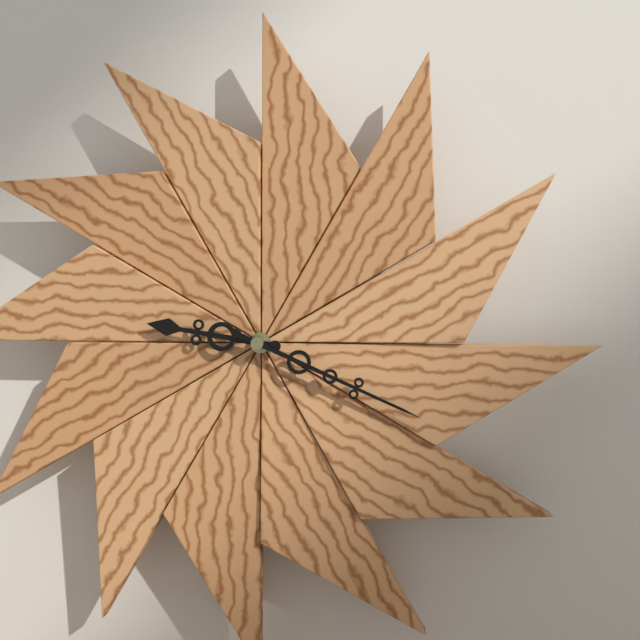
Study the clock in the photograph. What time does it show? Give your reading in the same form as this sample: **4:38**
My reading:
**9:19**
